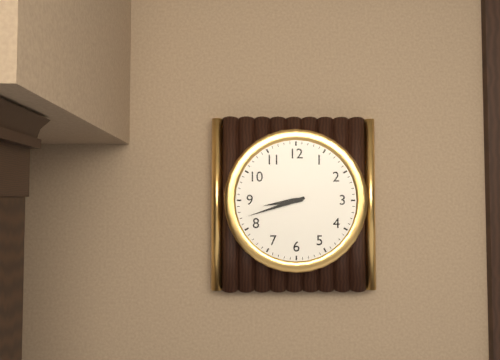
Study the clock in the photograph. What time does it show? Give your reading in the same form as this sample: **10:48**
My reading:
**8:42**
